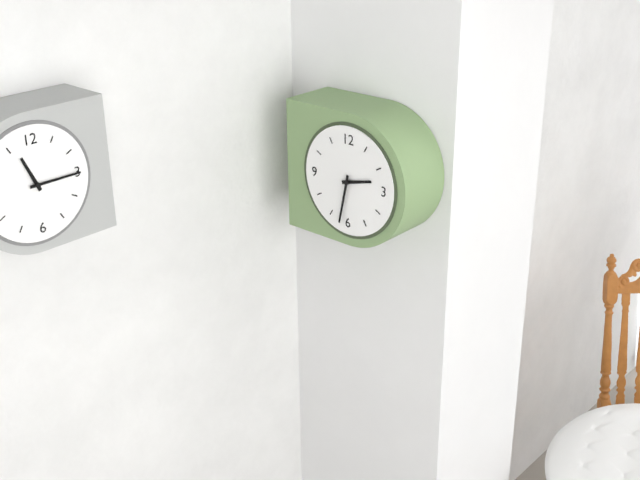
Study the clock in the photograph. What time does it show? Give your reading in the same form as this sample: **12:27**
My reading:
**2:32**
